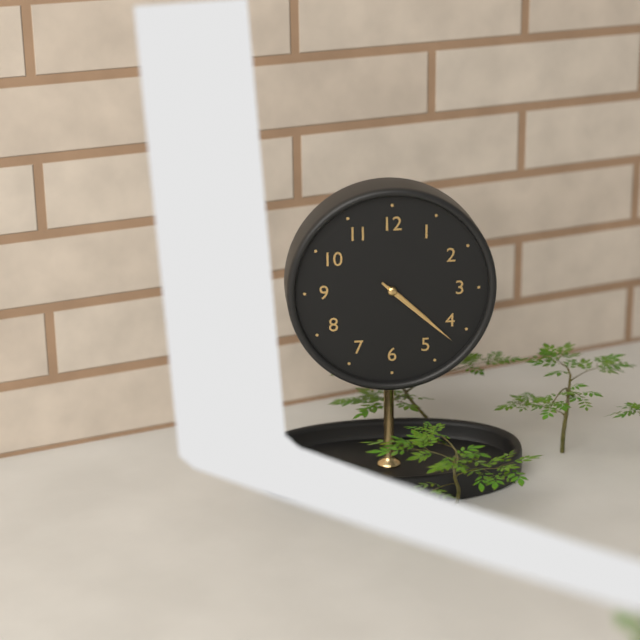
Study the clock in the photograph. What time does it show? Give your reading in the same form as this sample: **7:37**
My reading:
**4:22**
